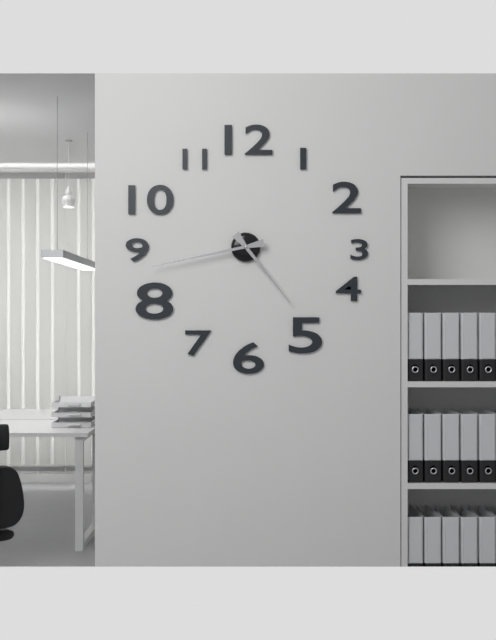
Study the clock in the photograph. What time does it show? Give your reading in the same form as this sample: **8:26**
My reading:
**4:43**
